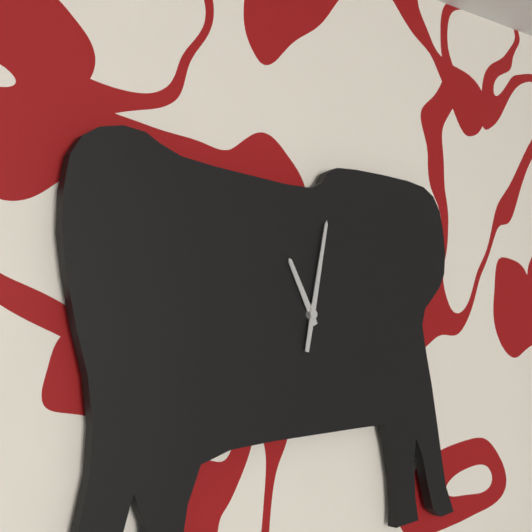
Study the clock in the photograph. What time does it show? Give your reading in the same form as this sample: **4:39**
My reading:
**11:02**
